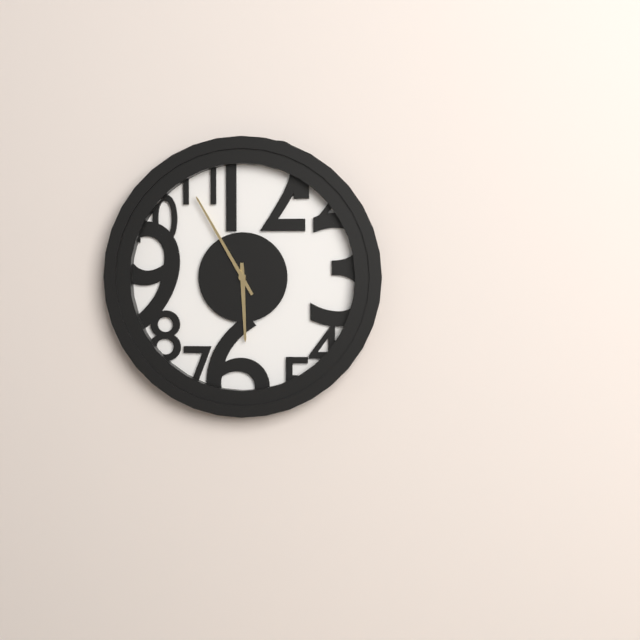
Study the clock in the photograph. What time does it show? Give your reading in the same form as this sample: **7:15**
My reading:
**5:55**
